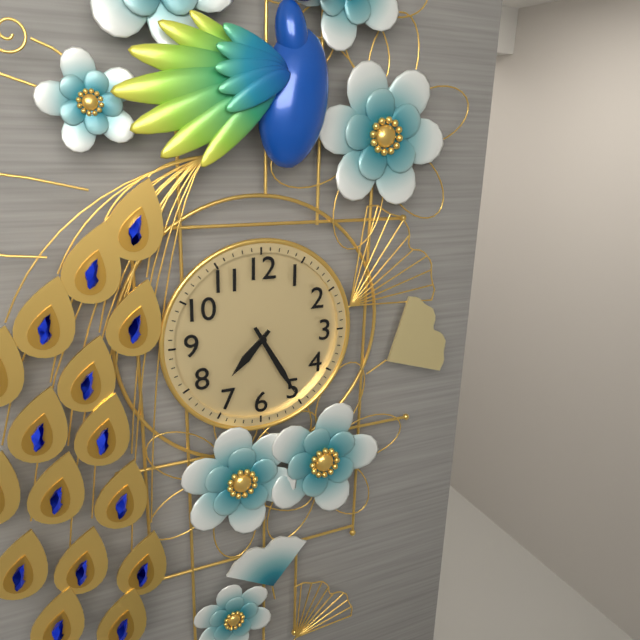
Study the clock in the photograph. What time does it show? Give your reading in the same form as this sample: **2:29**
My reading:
**7:25**
